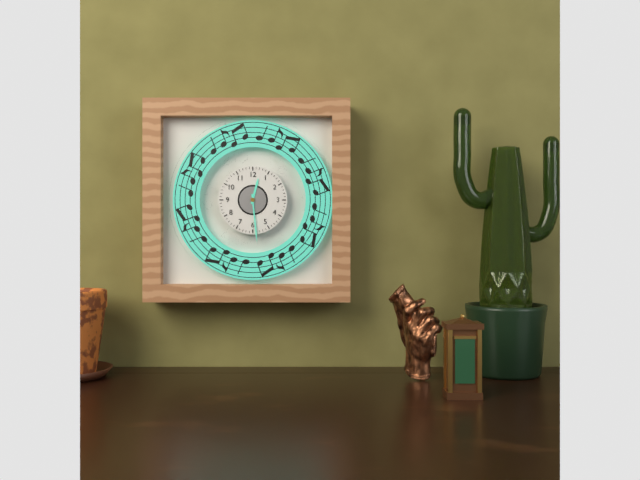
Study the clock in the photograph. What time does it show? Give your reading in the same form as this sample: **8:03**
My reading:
**12:29**
